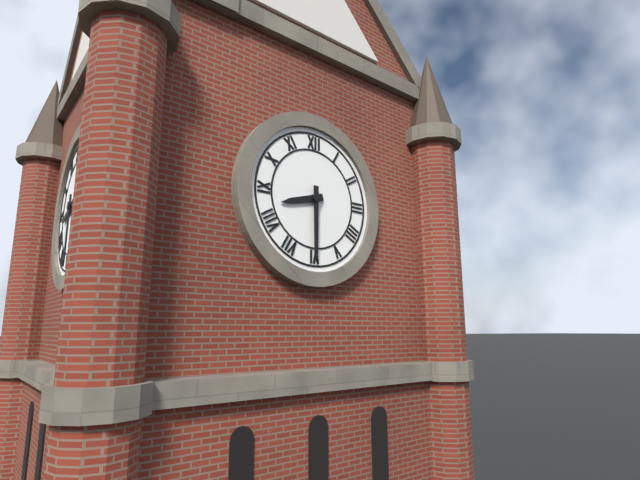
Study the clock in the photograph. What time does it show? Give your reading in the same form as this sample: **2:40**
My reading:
**8:30**
